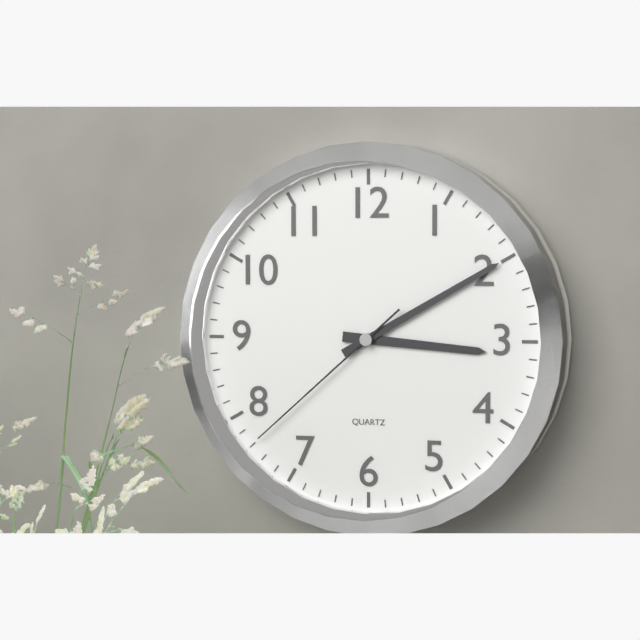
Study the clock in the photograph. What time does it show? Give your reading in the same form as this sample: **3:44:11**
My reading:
**3:10:38**
